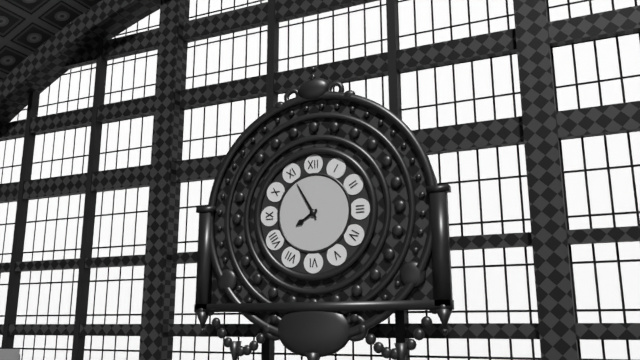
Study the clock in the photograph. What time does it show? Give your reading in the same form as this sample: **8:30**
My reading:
**7:55**
